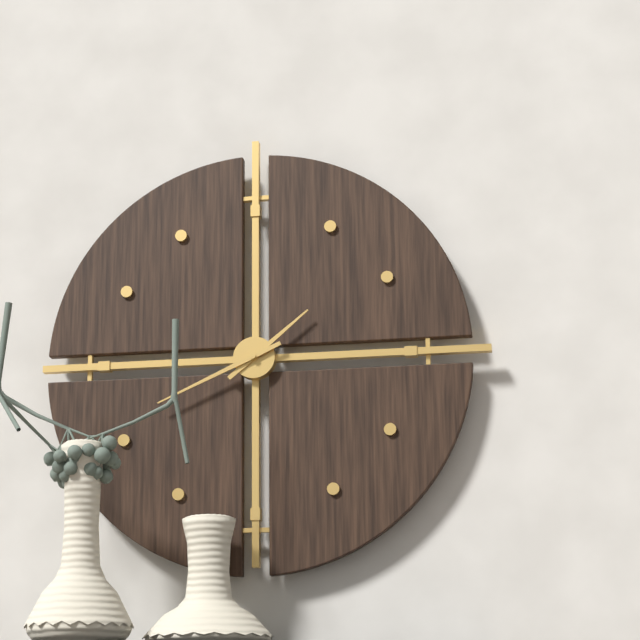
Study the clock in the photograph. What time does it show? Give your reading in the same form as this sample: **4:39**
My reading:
**1:41**
